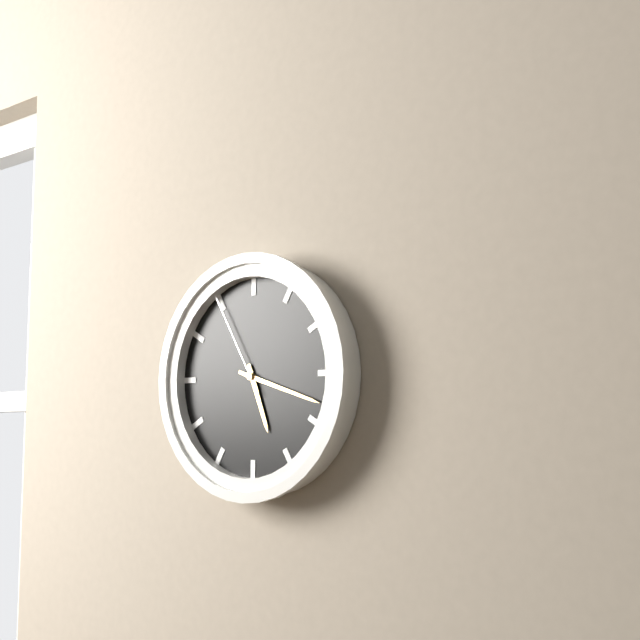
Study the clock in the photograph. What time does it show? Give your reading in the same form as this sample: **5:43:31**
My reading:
**5:18:55**
